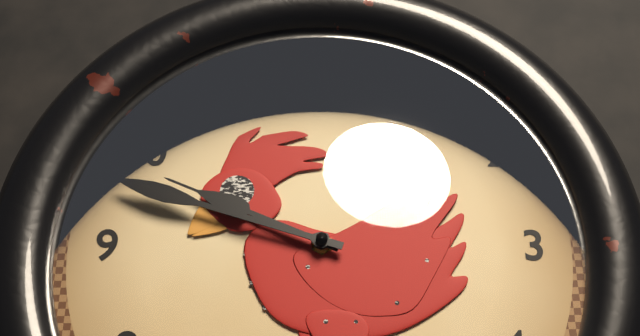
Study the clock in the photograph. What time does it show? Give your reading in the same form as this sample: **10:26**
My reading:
**9:48**
